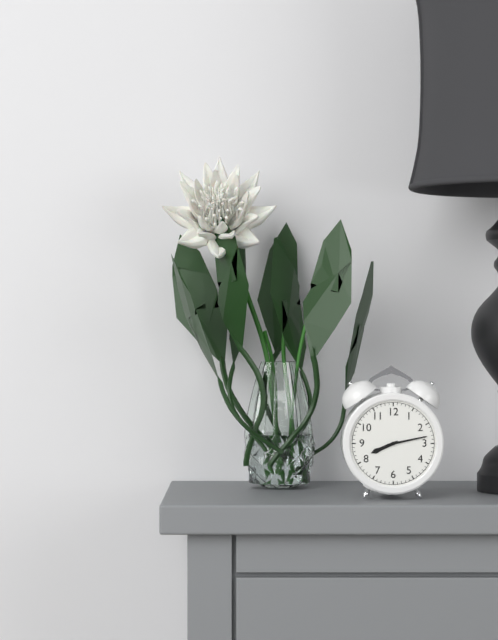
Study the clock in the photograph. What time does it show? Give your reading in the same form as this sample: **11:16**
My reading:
**8:13**
